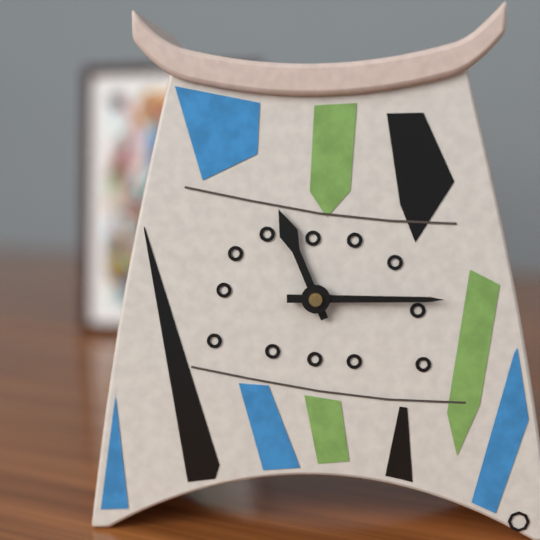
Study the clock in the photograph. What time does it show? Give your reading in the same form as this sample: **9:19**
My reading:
**11:15**
